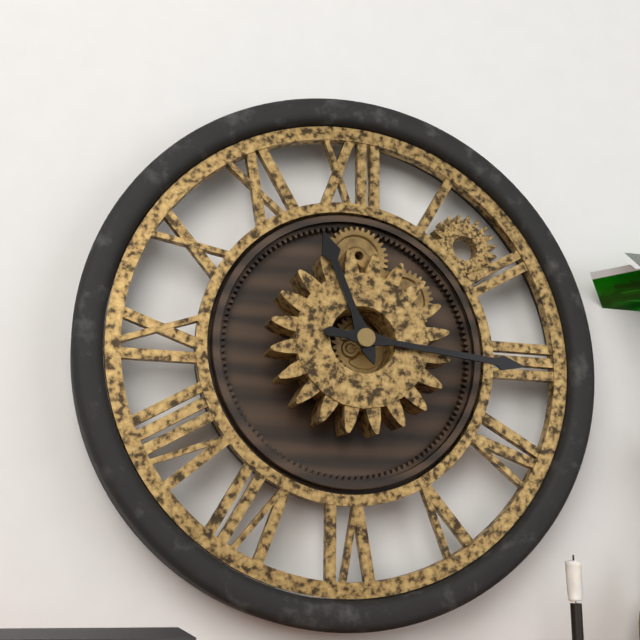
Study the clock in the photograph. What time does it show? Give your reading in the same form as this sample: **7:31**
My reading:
**11:16**
